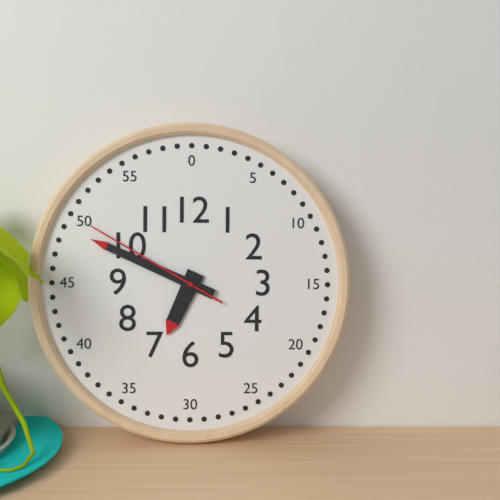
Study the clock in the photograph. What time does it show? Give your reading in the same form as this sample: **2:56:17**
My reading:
**6:49:50**
